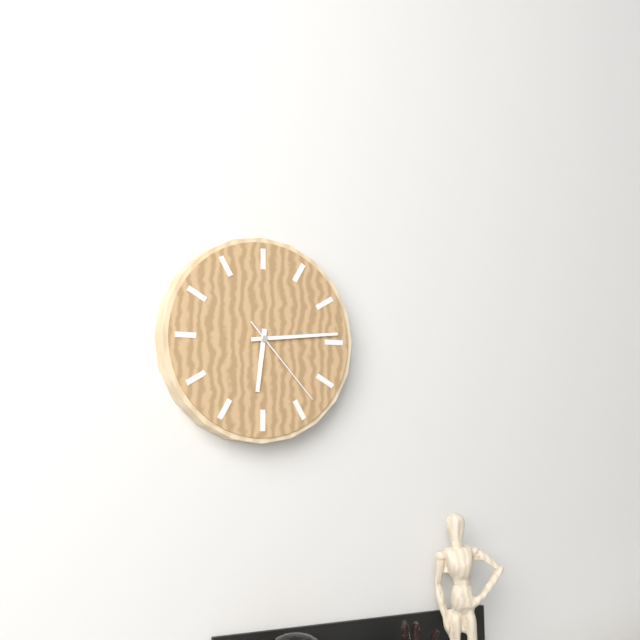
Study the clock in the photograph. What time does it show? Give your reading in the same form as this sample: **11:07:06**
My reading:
**6:14:23**
